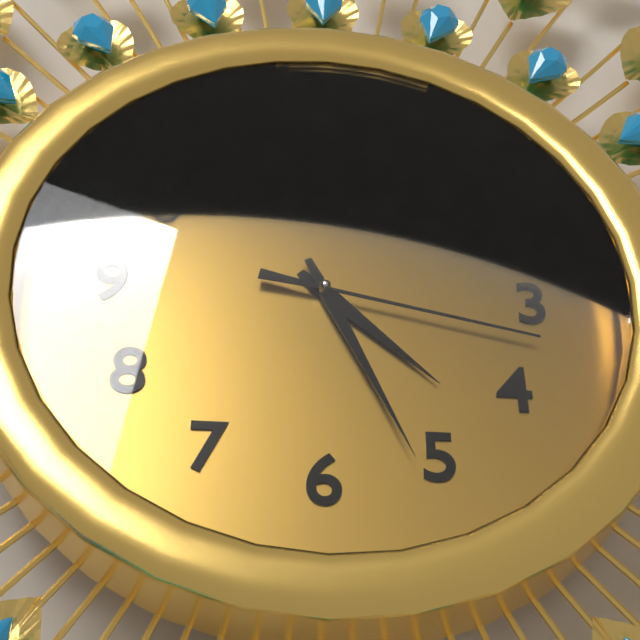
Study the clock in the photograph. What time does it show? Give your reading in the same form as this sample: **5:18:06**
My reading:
**4:26:17**
